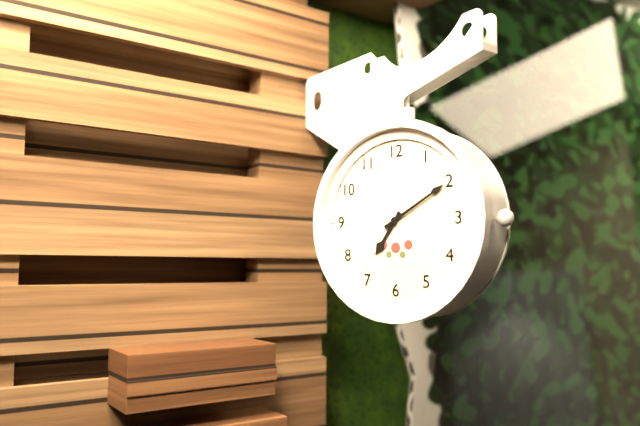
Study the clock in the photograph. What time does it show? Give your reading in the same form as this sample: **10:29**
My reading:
**7:10**
